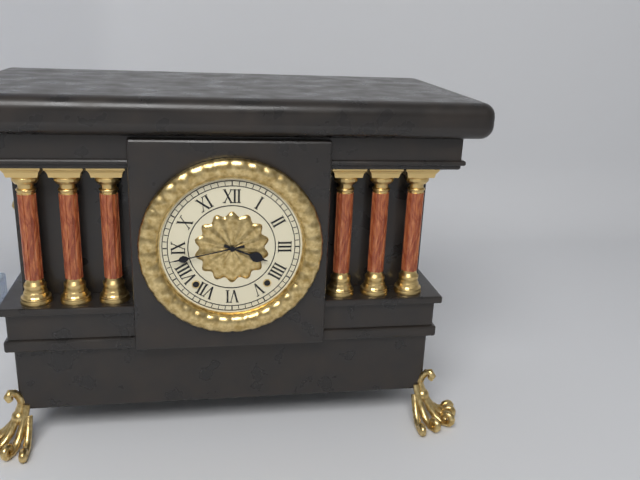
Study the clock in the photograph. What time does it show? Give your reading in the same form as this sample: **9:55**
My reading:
**3:43**
